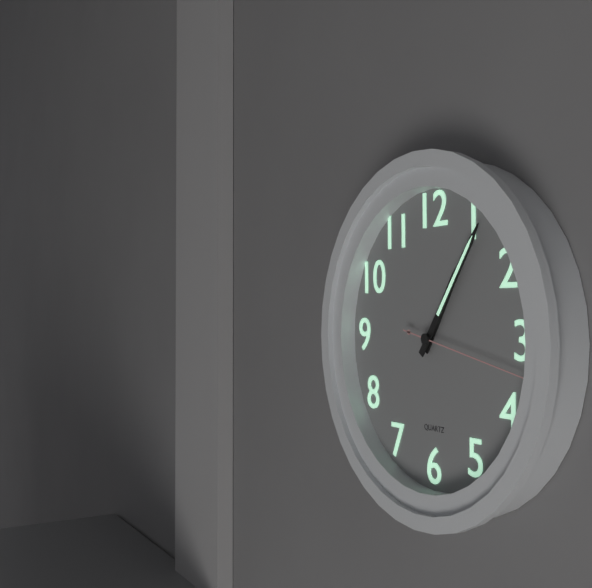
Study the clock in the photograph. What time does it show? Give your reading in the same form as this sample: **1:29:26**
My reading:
**1:06:17**
